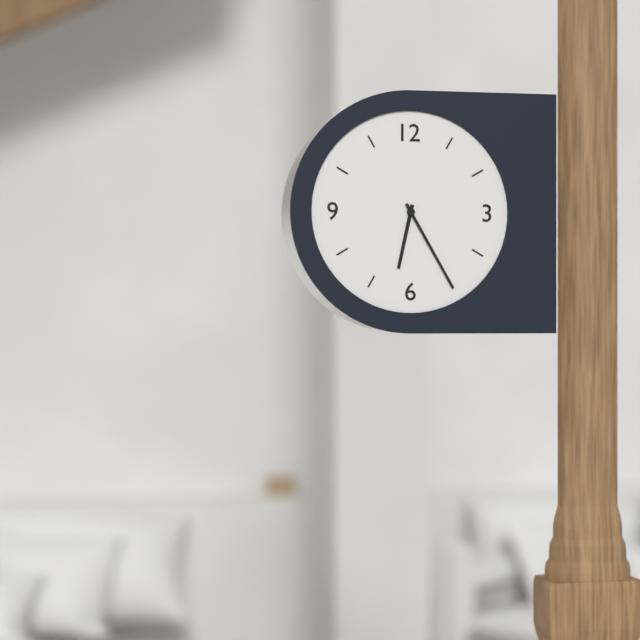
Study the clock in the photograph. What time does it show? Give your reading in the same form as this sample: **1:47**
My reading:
**6:25**
